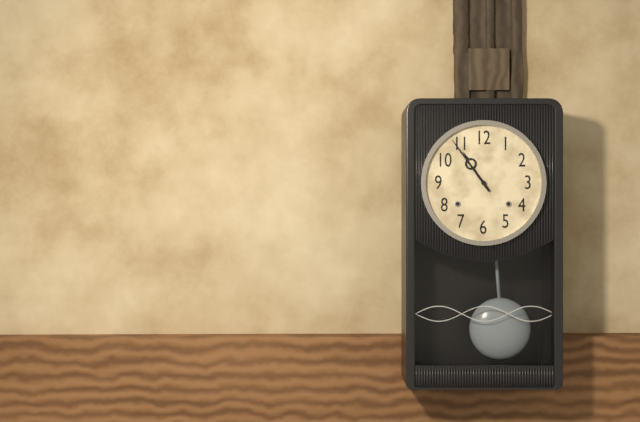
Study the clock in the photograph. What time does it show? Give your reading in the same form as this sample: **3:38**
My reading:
**10:54**
